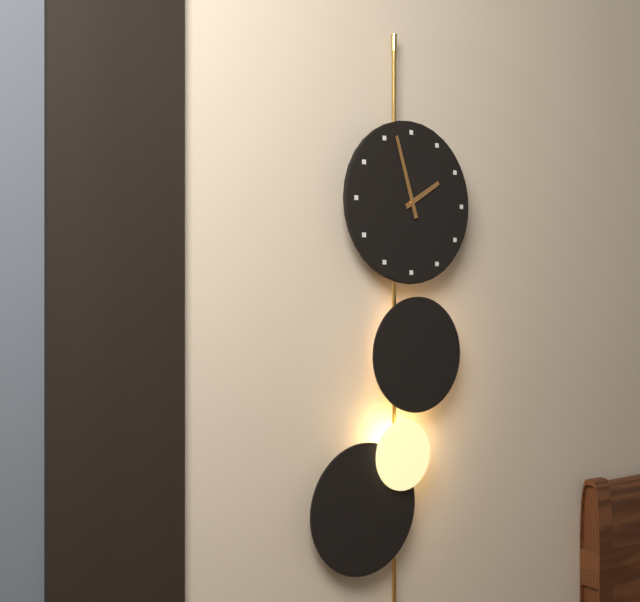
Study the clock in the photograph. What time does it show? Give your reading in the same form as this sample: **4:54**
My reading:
**1:57**
